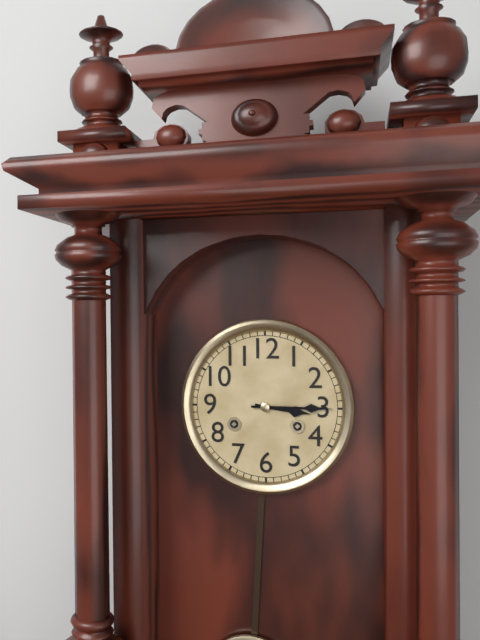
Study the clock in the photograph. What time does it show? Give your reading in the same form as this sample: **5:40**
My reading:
**3:15**
